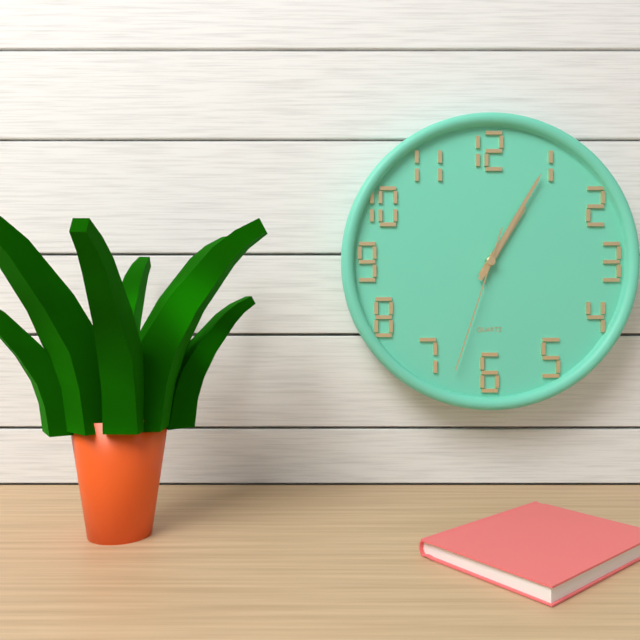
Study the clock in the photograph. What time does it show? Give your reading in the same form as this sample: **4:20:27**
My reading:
**1:05:33**
